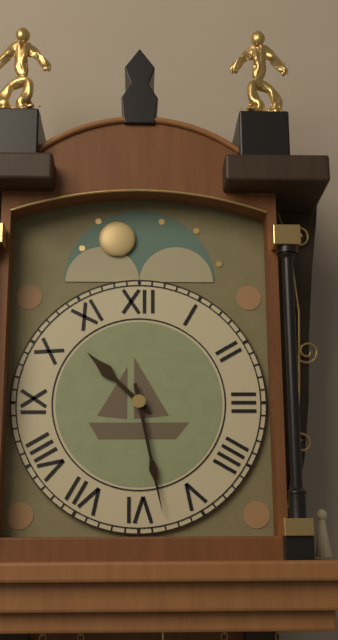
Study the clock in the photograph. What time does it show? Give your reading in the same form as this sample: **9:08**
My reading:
**10:28**
